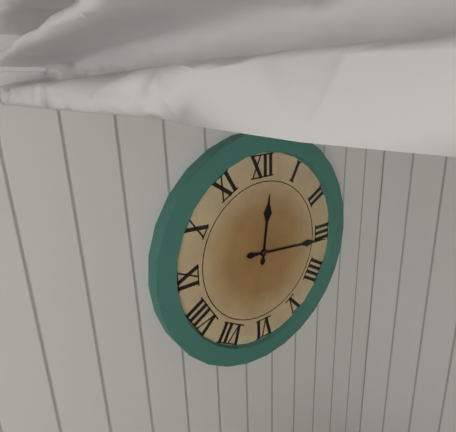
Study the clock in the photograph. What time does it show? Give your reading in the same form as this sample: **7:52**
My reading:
**12:16**
